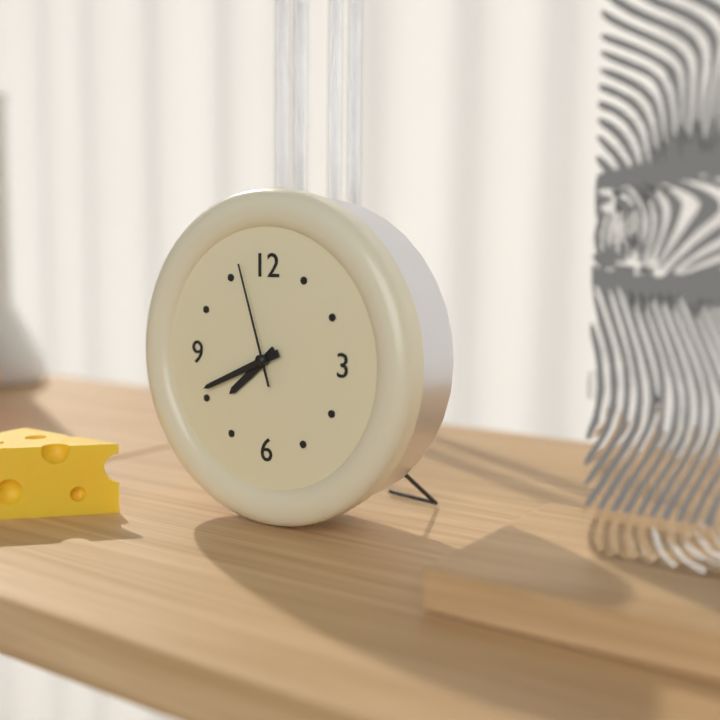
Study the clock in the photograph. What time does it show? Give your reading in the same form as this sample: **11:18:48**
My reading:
**7:41:57**
